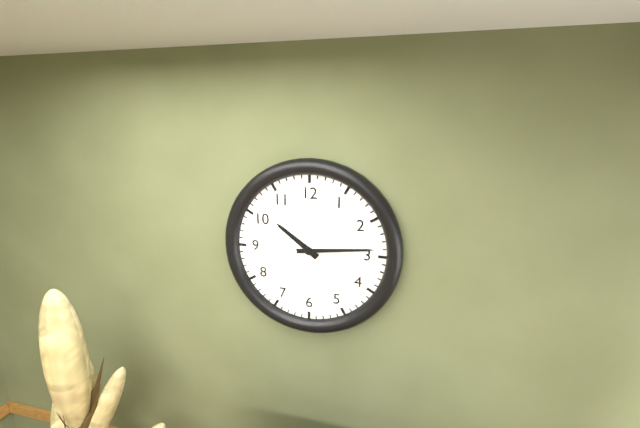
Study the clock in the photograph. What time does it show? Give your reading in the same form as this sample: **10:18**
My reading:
**10:14**
